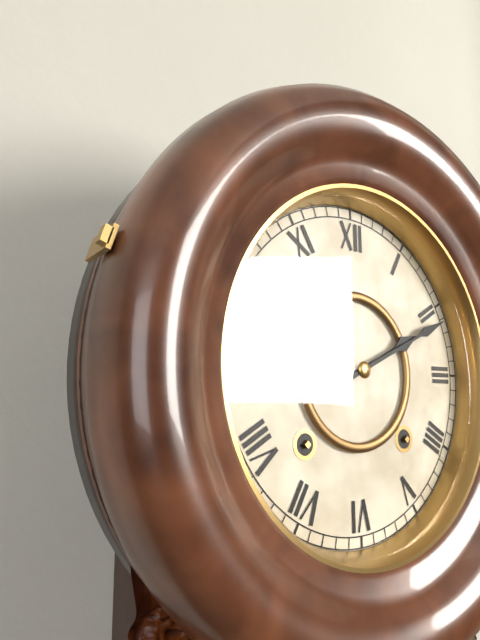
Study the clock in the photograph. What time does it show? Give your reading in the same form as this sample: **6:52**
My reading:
**2:11**
